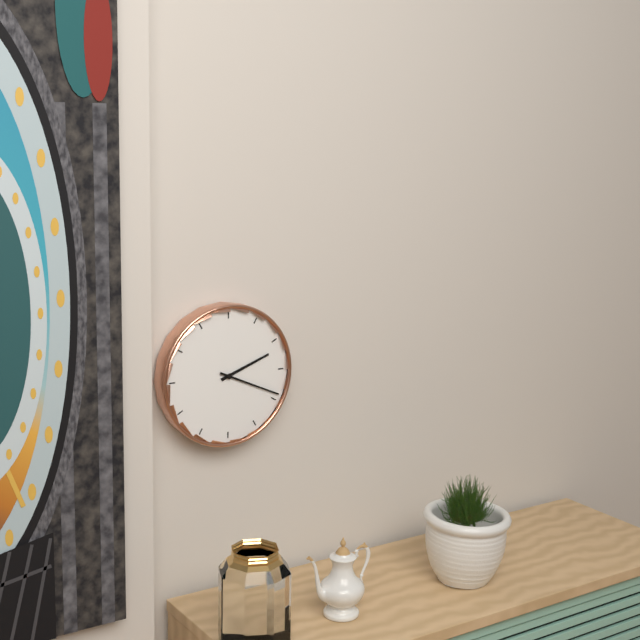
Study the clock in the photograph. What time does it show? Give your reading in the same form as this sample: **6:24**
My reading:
**2:19**
